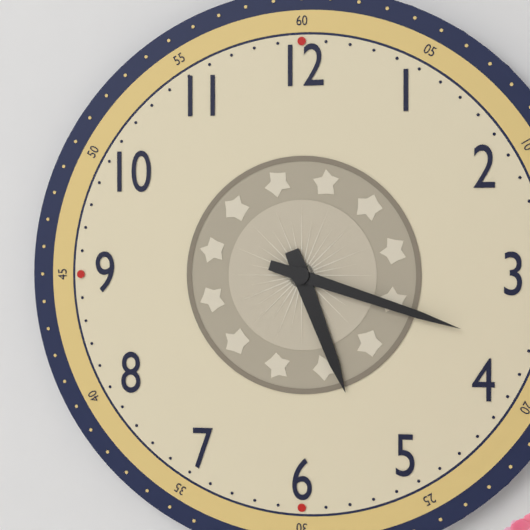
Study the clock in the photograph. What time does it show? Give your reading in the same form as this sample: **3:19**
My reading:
**5:18**
